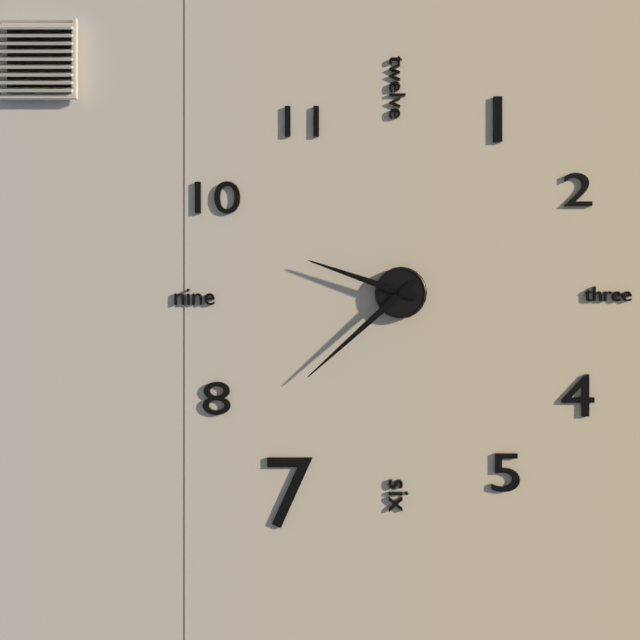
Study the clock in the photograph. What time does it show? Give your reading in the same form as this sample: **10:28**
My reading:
**9:38**
